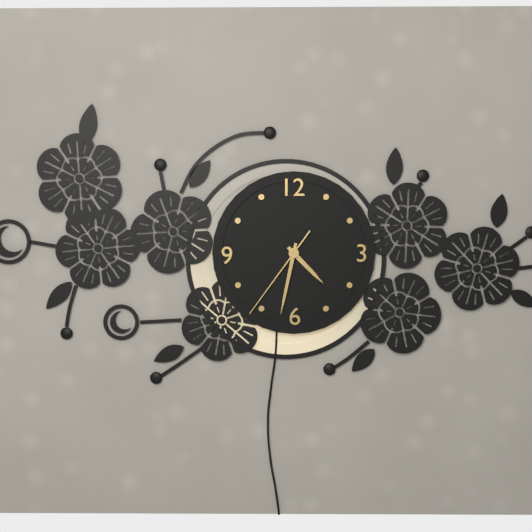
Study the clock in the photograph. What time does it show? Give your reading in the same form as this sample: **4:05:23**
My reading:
**4:32:36**
